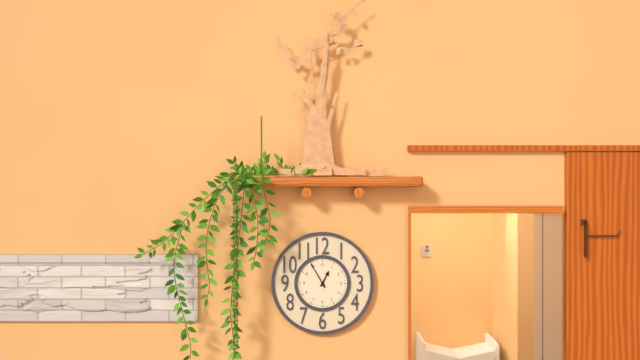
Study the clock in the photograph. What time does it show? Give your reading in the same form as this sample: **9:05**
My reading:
**12:55**
